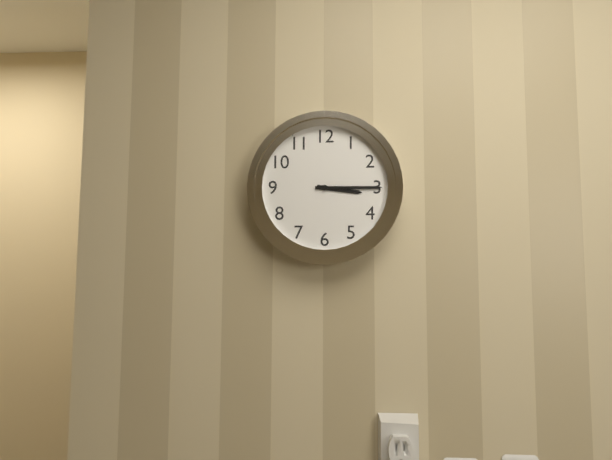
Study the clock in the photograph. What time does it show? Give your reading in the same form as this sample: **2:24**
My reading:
**3:15**
